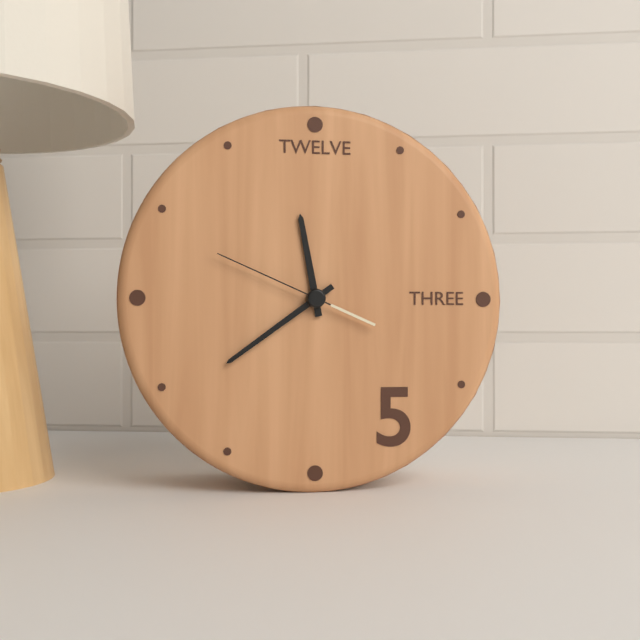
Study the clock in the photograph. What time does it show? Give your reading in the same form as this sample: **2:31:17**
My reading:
**11:39:49**
